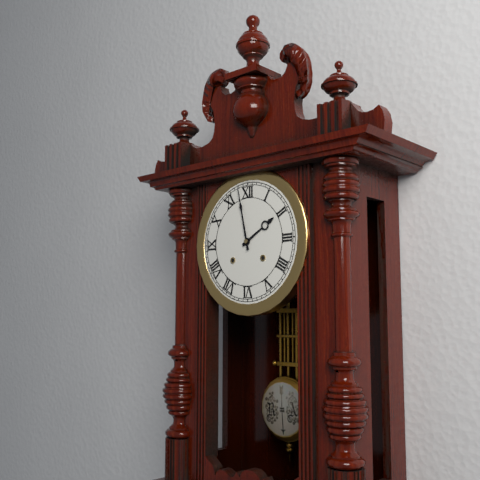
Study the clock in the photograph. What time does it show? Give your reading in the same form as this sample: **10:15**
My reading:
**1:58**
